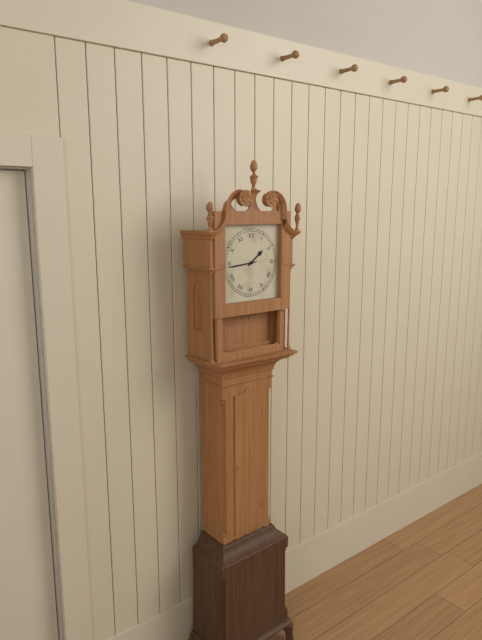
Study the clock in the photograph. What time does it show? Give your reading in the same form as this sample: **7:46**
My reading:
**1:44**
